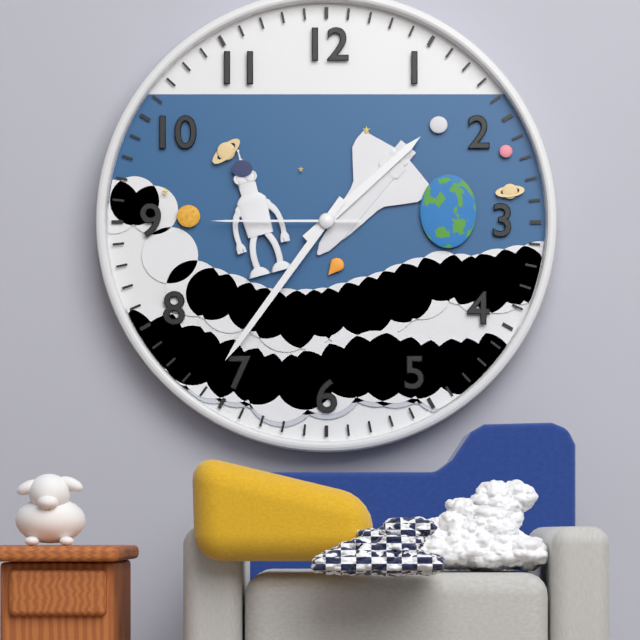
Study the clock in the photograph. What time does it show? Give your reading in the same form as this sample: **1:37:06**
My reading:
**1:36:45**
